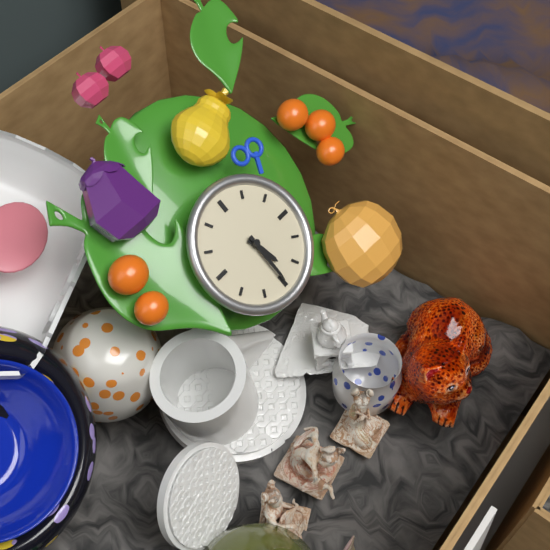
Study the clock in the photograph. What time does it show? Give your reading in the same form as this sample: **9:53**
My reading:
**5:30**
